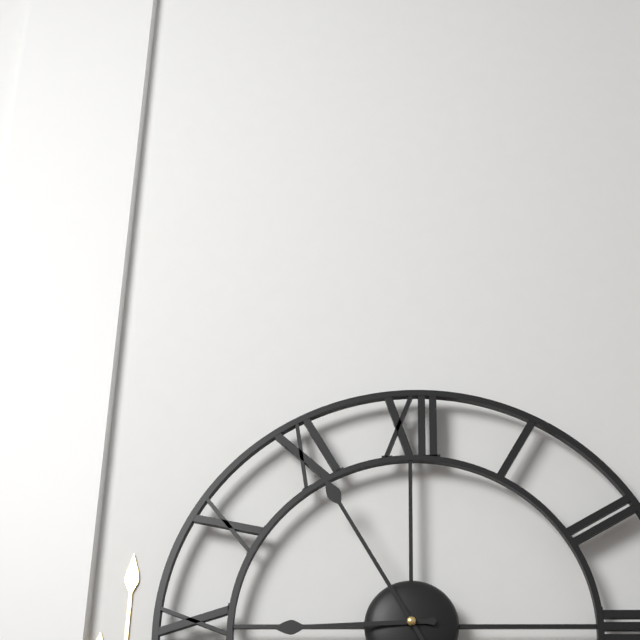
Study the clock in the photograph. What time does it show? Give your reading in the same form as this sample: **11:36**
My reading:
**8:55**
